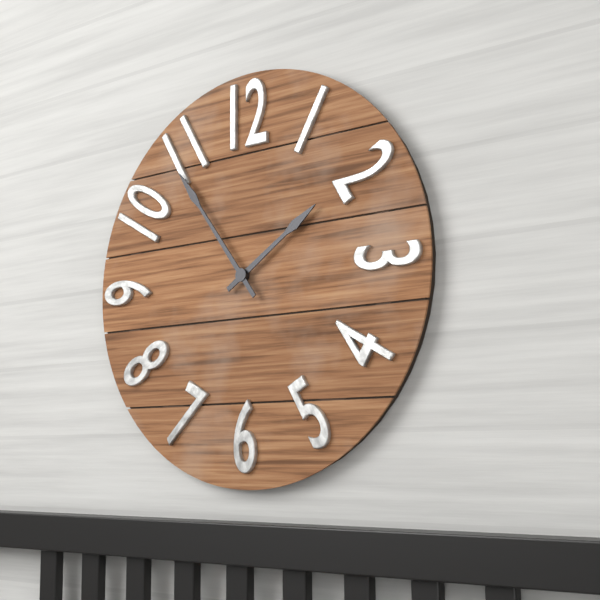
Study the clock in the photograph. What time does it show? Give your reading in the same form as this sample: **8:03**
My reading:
**1:54**
